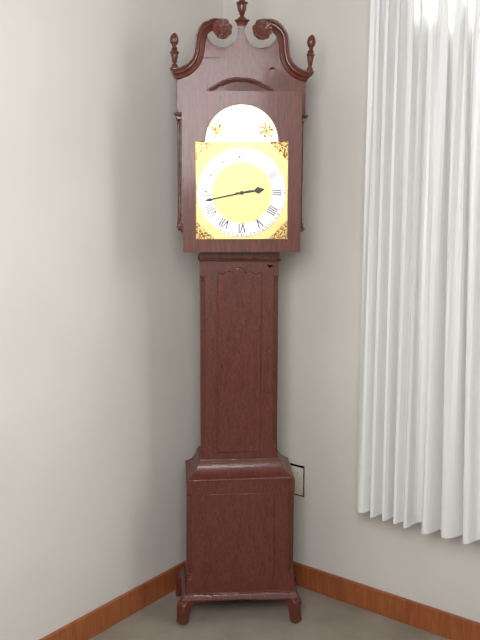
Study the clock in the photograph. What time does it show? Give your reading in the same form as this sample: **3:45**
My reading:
**2:43**
